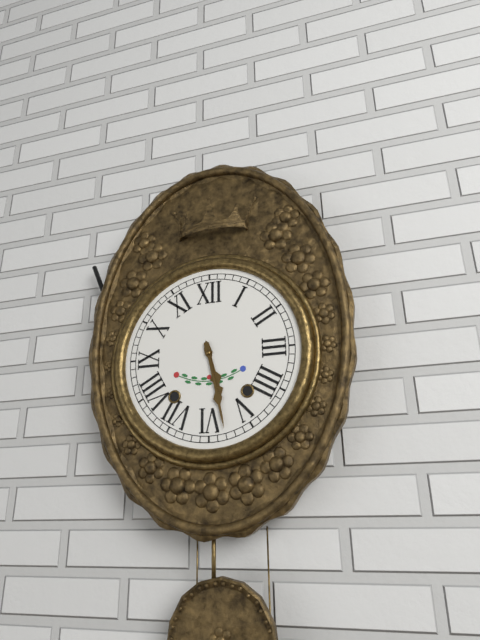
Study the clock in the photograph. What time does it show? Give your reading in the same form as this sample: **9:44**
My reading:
**5:28**
